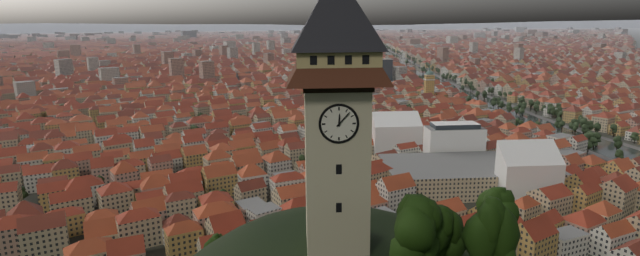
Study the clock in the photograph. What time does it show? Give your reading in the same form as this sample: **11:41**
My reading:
**12:07**
